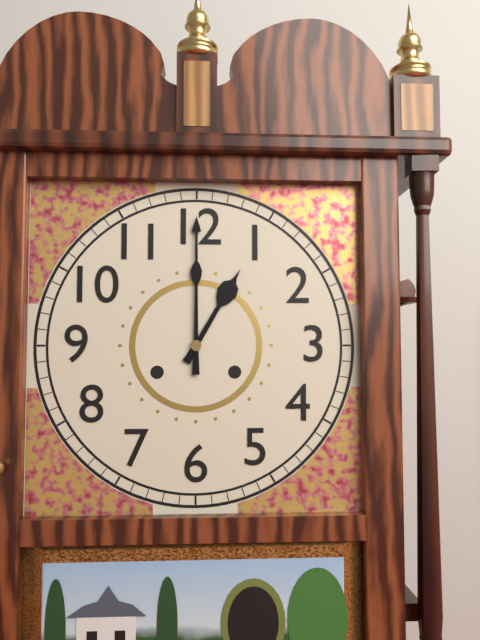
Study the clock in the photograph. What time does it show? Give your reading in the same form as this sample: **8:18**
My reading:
**1:00**
